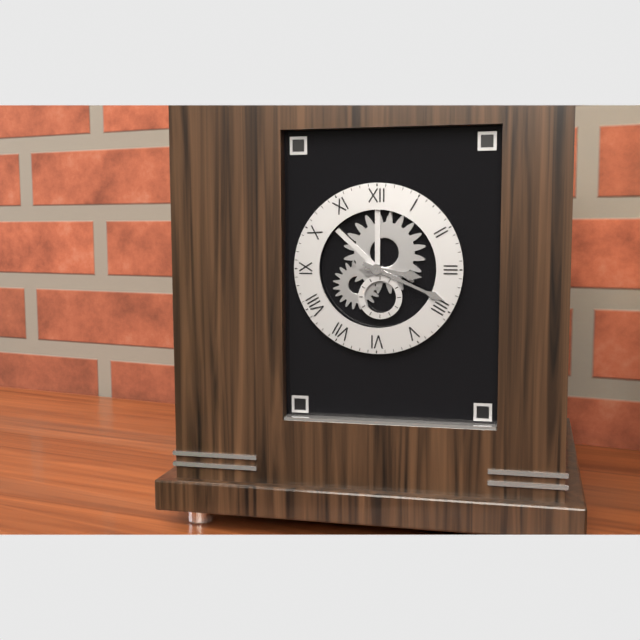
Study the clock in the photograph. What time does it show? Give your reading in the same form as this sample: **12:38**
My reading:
**3:19**
